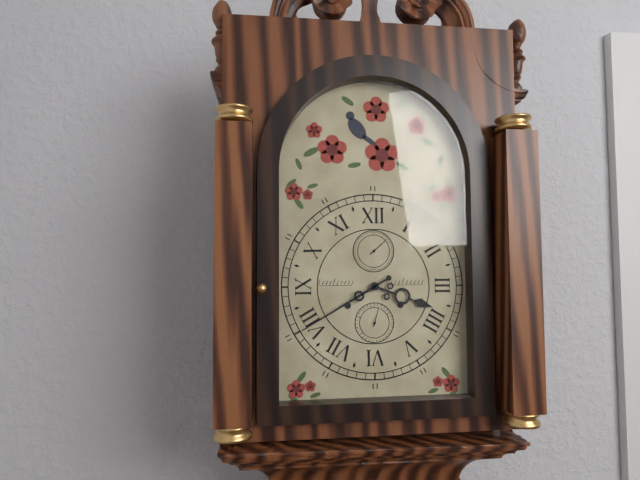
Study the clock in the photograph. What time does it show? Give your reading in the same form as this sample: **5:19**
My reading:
**3:40**
